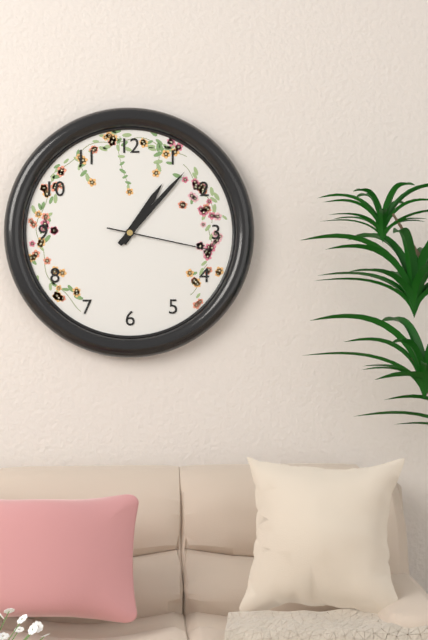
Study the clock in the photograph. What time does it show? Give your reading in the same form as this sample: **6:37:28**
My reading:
**1:07:17**
